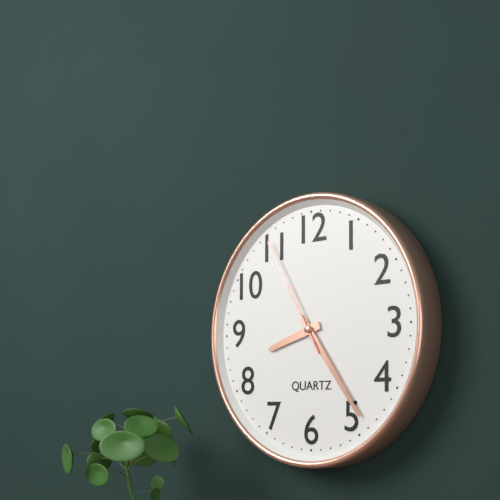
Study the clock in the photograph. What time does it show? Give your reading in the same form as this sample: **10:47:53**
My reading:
**8:24:55**
